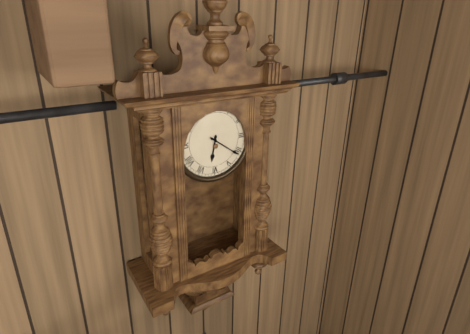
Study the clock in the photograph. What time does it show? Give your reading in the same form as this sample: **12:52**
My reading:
**6:21**
